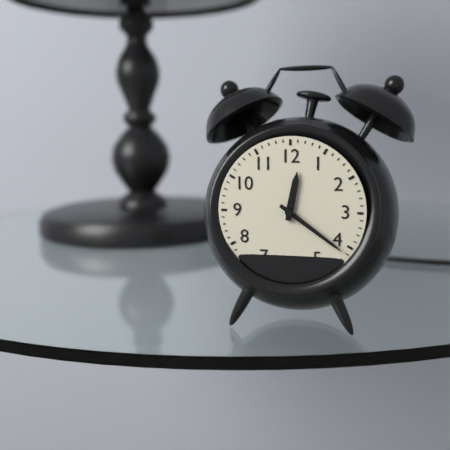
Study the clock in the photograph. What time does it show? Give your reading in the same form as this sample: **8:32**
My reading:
**12:21**
